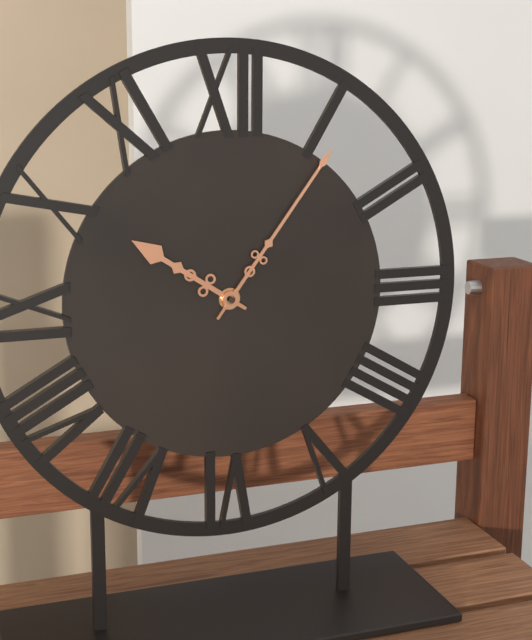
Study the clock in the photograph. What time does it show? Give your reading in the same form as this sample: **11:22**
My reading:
**10:06**
